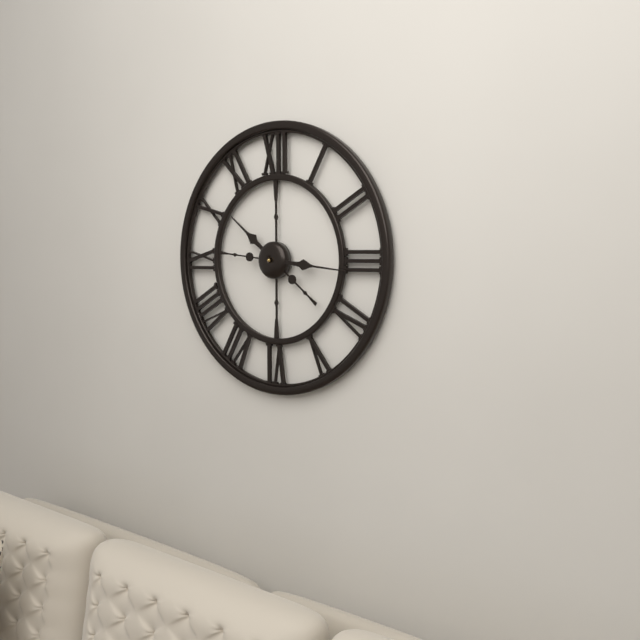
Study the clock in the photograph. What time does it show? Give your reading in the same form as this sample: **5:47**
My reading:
**10:16**
